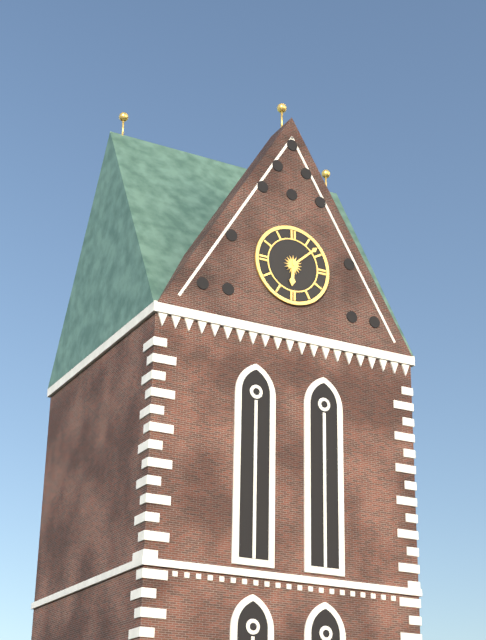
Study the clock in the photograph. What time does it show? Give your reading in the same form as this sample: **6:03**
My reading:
**6:08**
